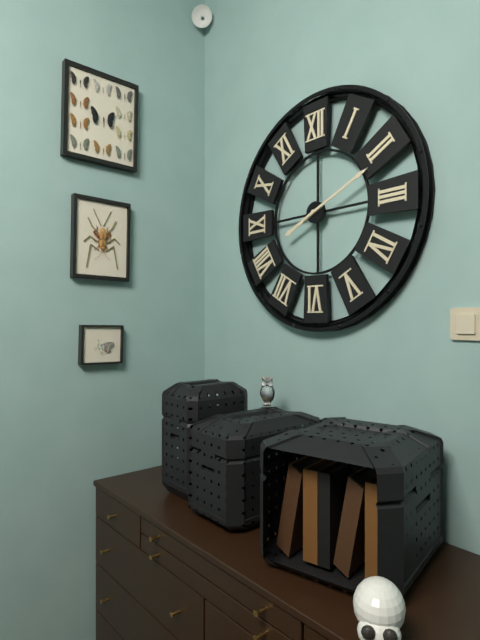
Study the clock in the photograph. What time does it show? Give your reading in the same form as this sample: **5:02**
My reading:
**8:11**
